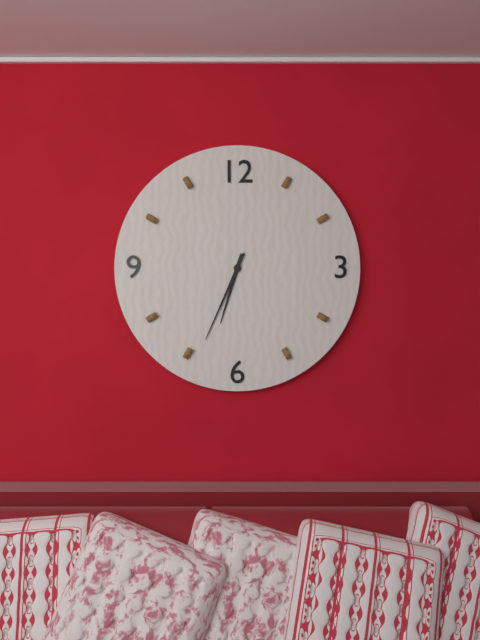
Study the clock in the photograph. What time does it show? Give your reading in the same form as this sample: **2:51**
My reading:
**6:34**
